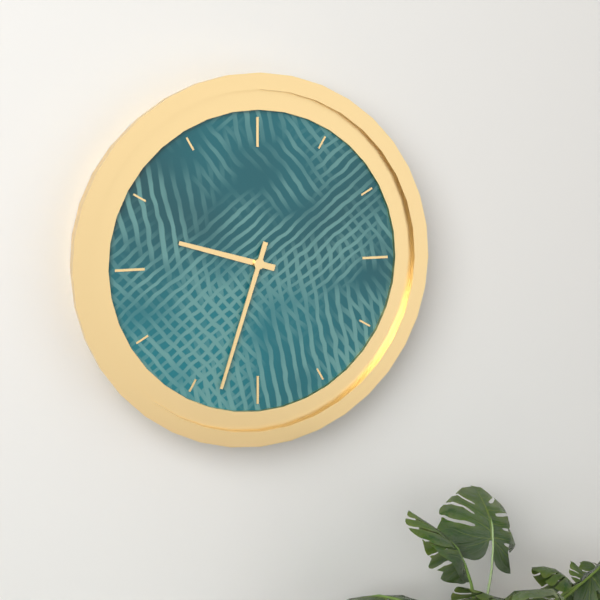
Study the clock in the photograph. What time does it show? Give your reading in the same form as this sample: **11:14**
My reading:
**9:33**
